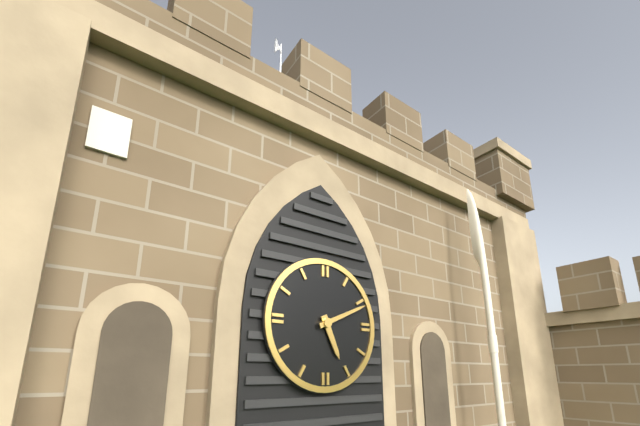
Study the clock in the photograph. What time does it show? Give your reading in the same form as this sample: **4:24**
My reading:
**5:11**
